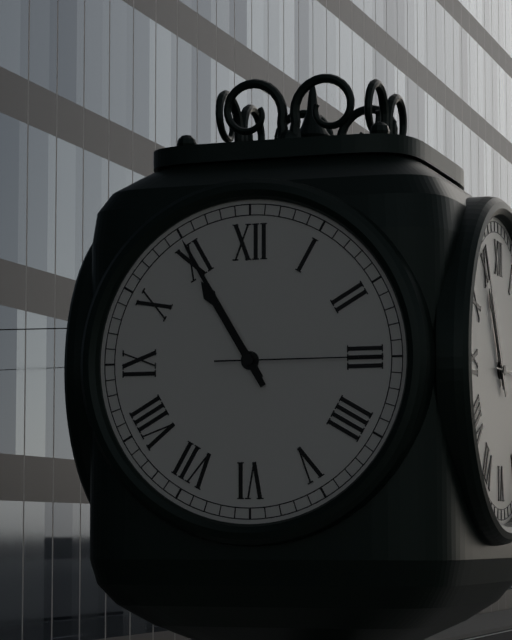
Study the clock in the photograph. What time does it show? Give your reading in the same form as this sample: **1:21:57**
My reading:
**10:55:15**
